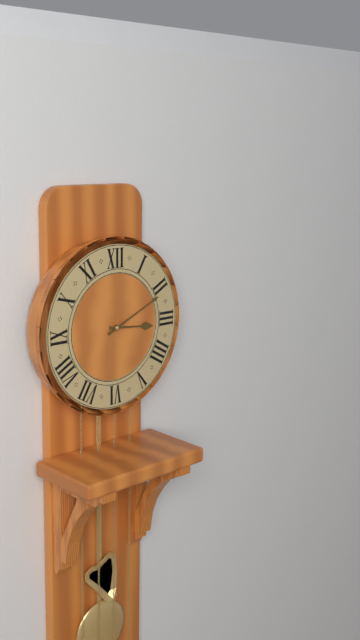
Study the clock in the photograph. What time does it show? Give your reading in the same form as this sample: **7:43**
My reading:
**3:11**
